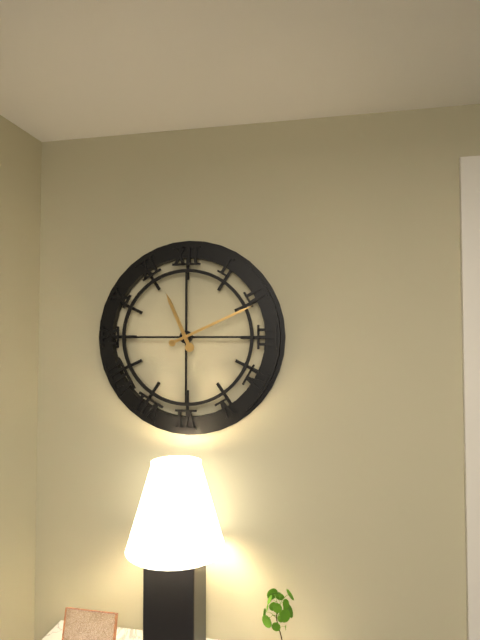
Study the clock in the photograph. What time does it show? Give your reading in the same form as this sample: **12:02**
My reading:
**11:11**
